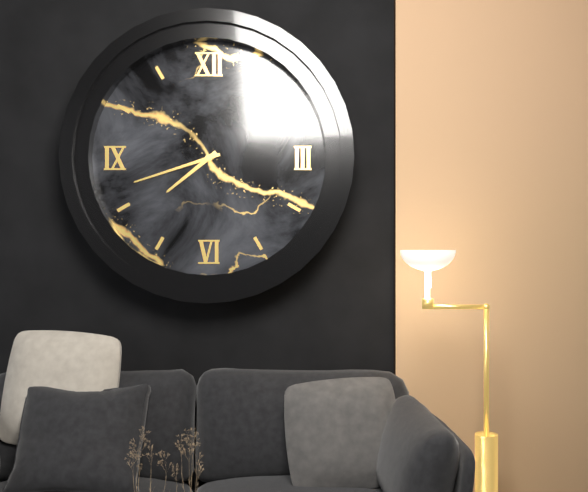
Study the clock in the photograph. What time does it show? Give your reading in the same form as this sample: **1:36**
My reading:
**7:42**
